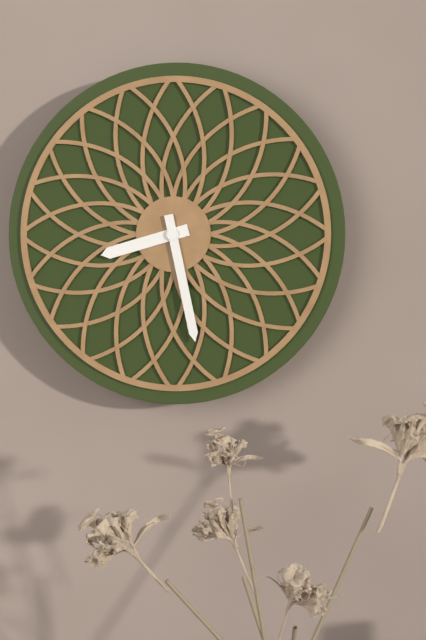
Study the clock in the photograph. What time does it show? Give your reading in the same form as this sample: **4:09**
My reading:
**8:28**
